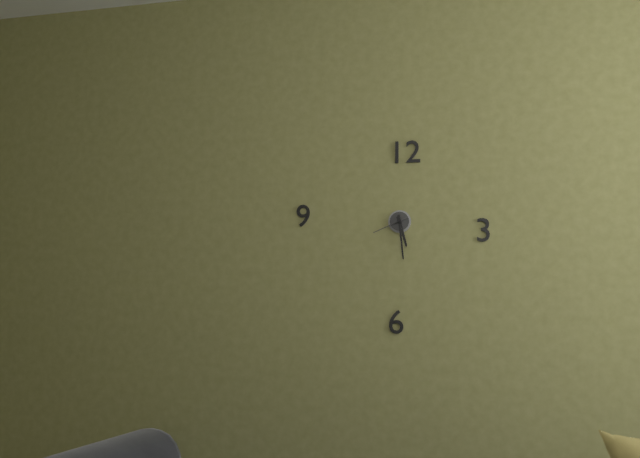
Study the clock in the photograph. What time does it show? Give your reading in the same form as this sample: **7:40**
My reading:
**5:29**
